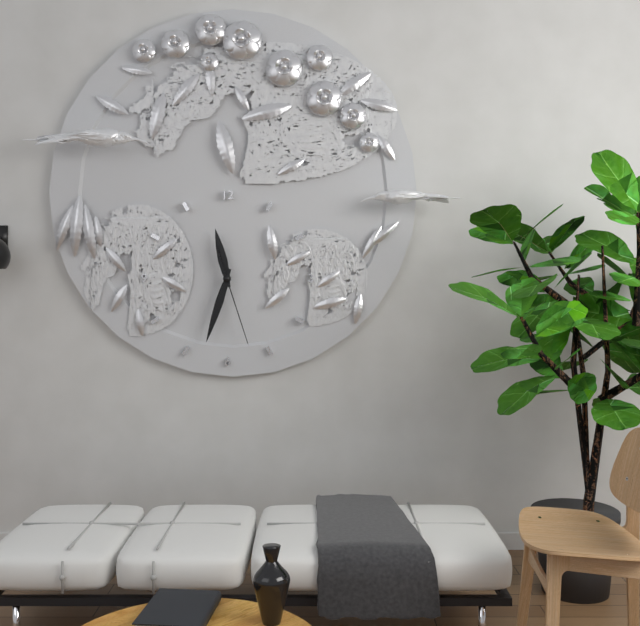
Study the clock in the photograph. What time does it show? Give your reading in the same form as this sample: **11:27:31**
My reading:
**11:33:27**
